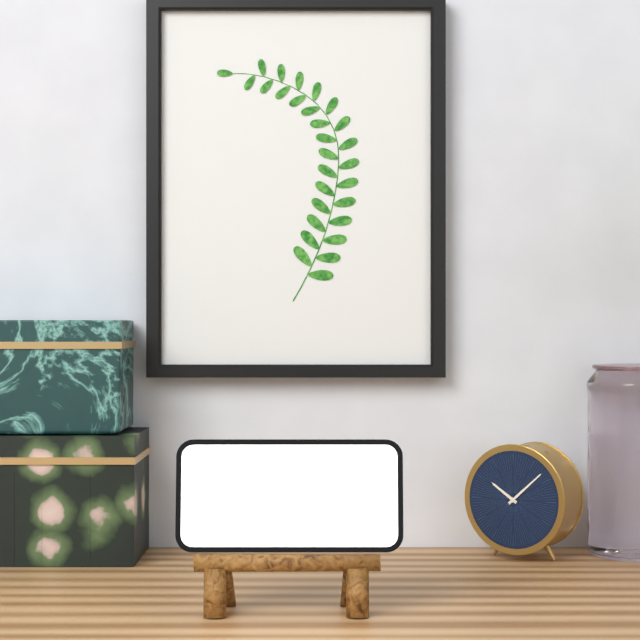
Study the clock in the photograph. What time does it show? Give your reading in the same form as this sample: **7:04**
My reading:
**10:08**
